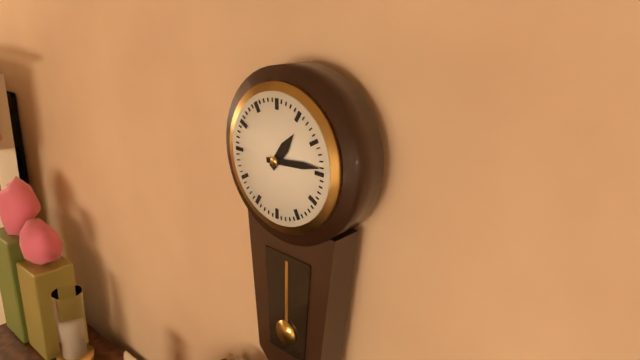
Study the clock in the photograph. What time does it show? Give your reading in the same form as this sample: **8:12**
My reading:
**1:14**
